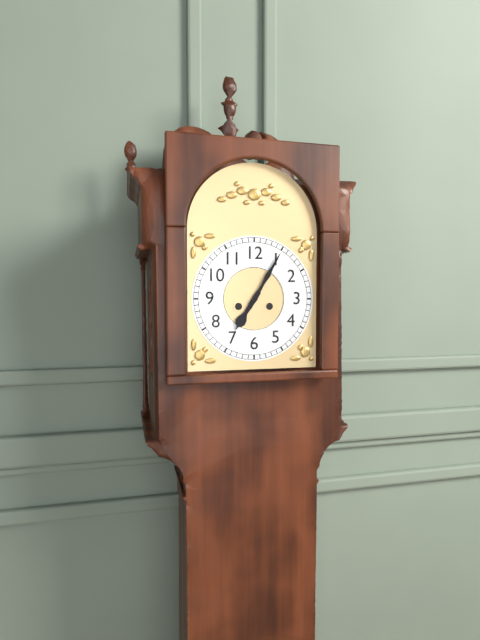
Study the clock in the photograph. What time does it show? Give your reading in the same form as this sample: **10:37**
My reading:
**7:05**
